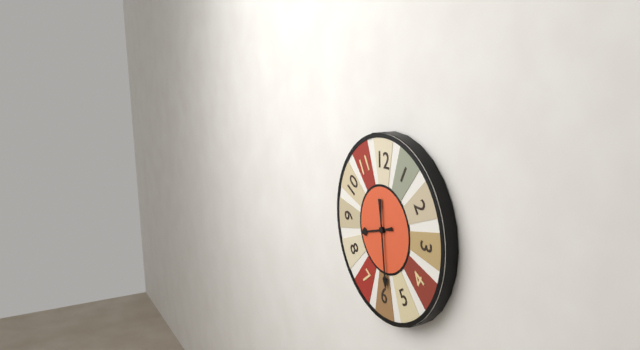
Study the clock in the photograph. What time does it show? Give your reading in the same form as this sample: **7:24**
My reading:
**8:29**
